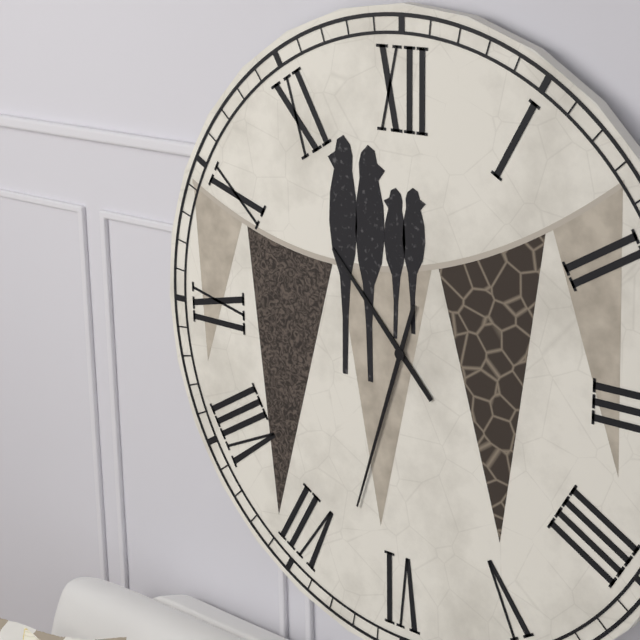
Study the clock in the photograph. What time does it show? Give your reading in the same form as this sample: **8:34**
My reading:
**10:33**
